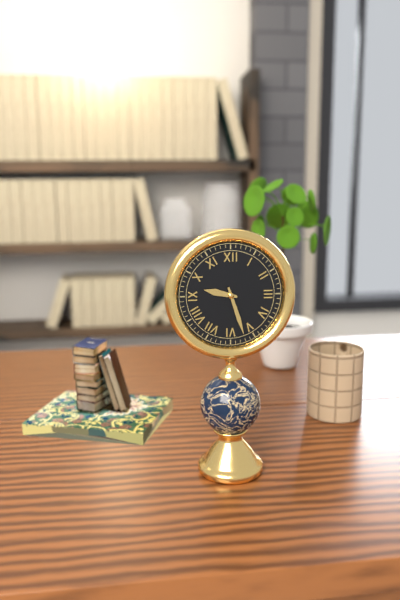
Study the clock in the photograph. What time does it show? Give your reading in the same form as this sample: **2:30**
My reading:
**9:27**
